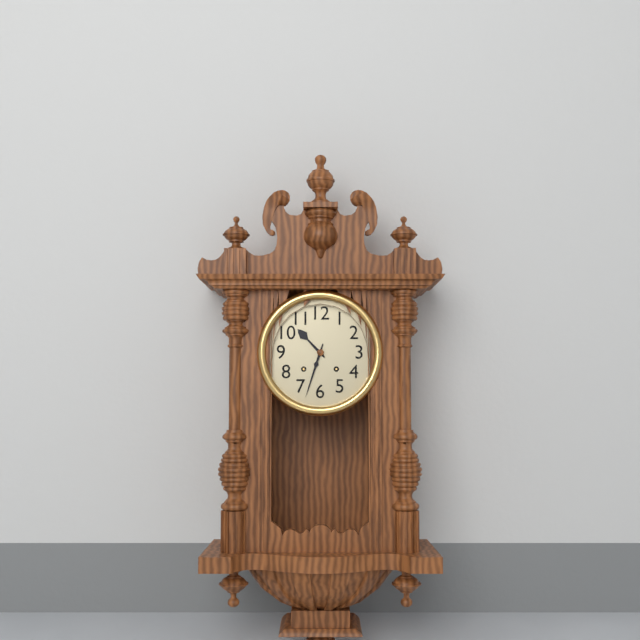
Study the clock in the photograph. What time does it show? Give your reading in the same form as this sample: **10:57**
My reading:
**10:33**
